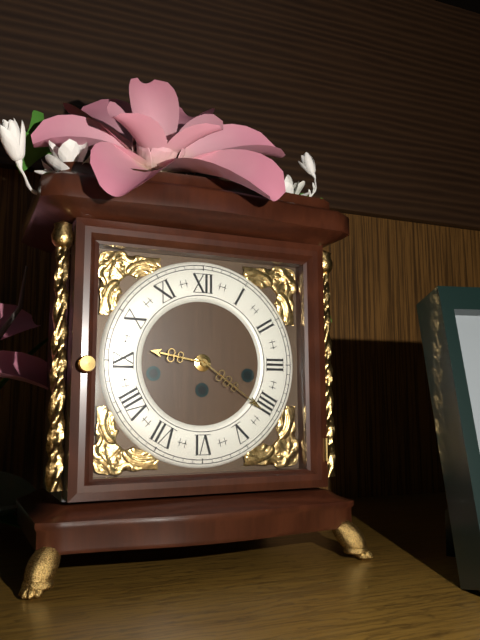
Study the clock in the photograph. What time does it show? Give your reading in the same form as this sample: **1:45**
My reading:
**9:21**
